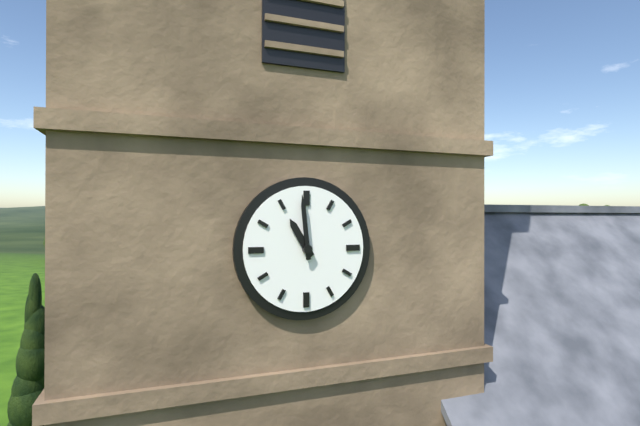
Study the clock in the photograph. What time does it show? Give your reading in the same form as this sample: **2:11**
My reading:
**10:59**
